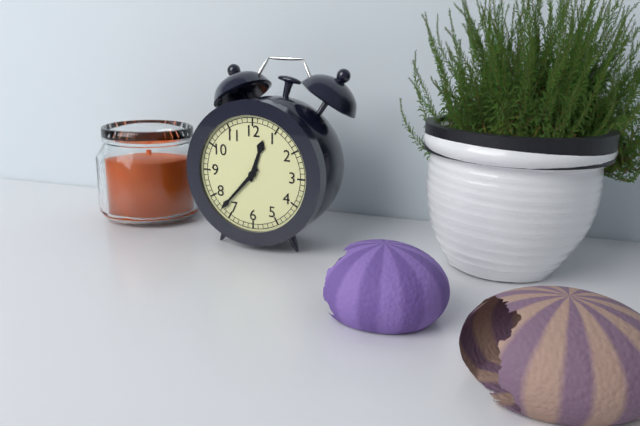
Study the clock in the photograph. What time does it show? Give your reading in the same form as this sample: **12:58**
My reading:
**12:37**
